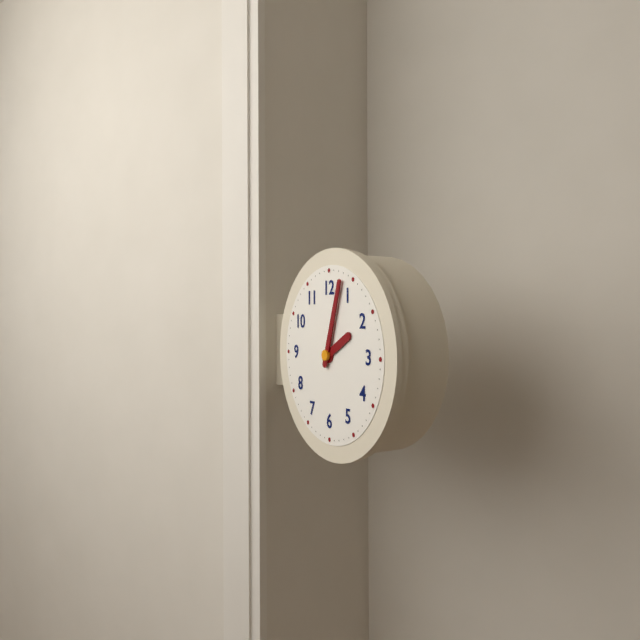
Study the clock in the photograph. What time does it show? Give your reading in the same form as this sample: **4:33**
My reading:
**2:03**
